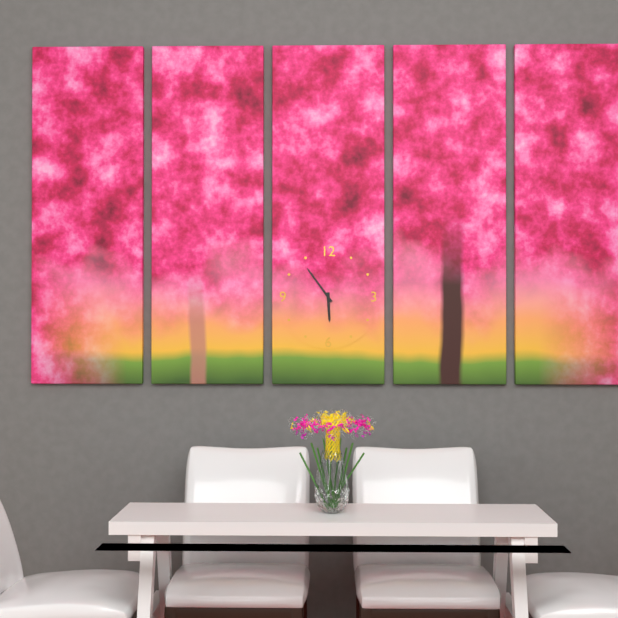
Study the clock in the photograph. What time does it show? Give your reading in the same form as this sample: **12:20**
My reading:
**5:54**
